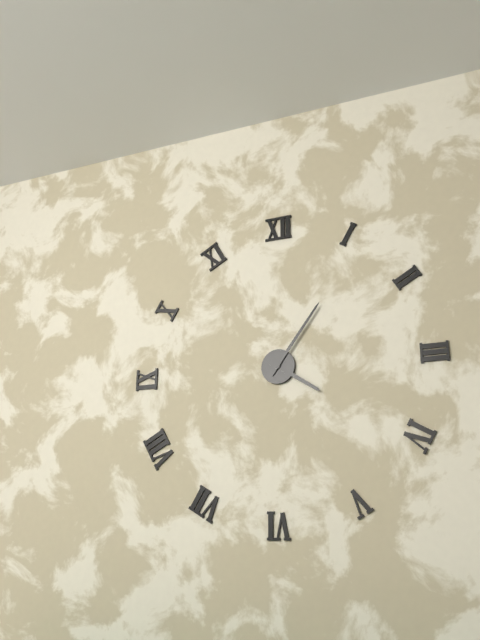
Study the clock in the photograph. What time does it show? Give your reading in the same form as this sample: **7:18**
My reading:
**4:06**
